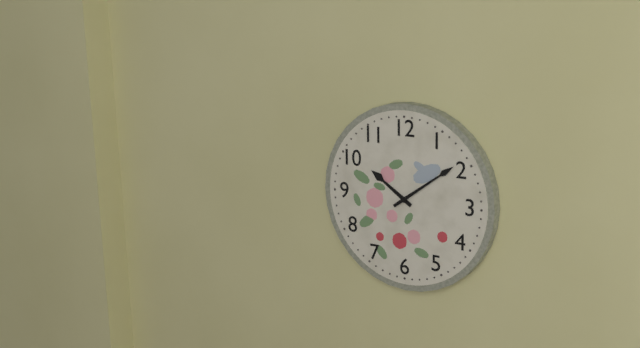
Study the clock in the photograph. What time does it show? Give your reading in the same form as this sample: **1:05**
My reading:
**10:09**
